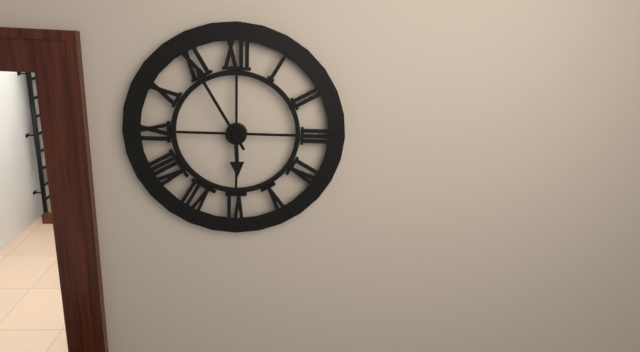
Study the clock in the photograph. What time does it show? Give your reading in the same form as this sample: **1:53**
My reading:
**5:55**
